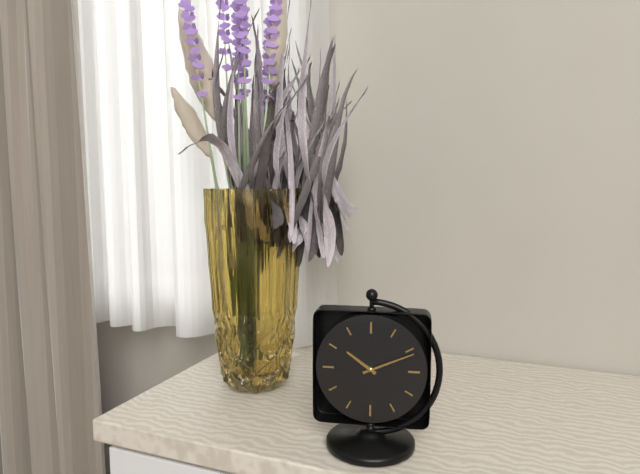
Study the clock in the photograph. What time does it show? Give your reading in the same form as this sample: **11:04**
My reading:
**10:11**
